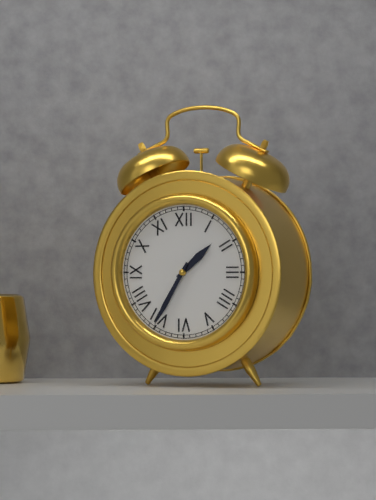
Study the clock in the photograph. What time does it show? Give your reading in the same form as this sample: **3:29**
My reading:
**1:35**
